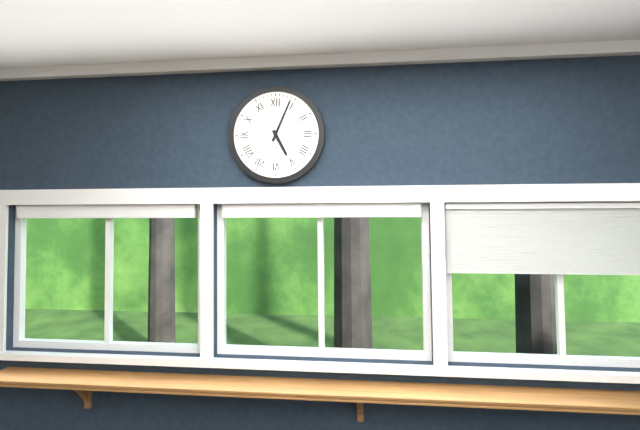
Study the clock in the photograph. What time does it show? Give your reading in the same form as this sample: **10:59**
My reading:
**5:04**
